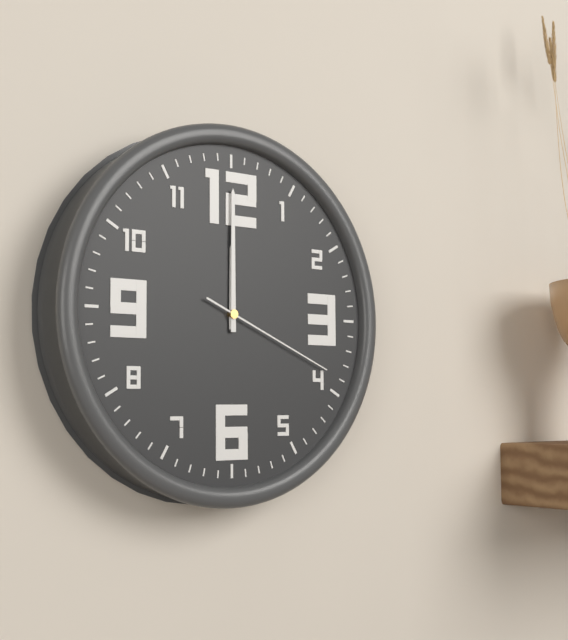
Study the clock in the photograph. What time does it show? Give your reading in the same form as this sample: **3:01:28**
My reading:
**12:00:19**
